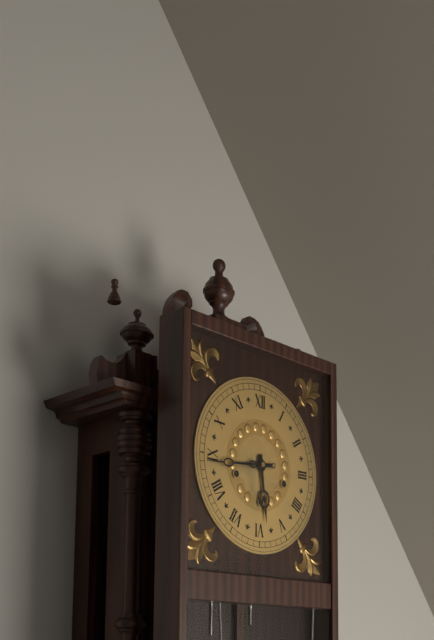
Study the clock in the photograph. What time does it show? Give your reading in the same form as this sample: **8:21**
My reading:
**5:44**
